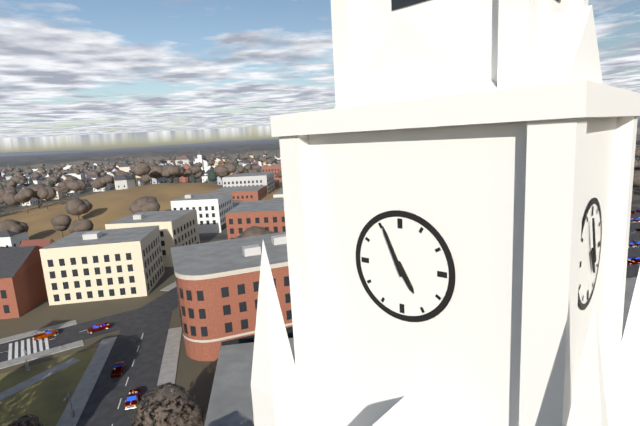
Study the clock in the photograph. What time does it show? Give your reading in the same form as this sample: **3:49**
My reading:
**4:56**
